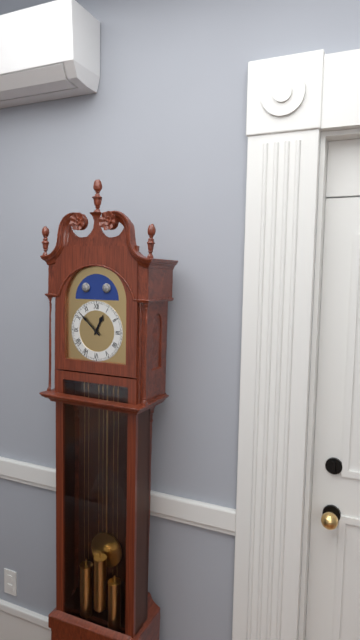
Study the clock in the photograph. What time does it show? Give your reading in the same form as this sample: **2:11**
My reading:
**12:52**
